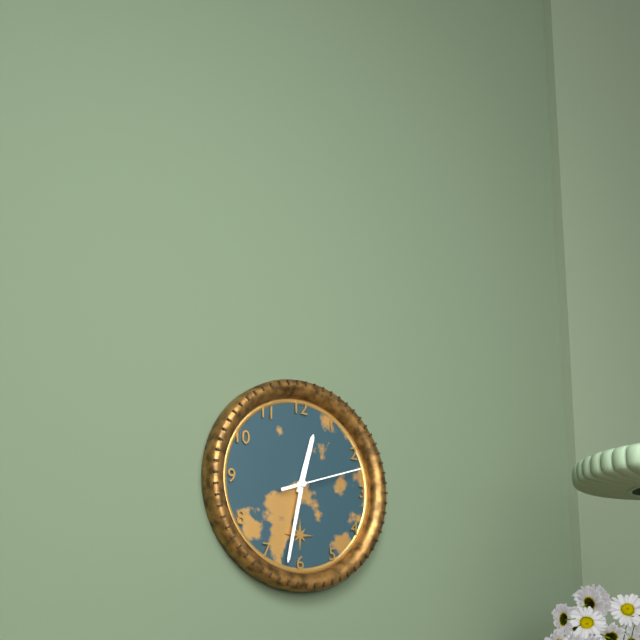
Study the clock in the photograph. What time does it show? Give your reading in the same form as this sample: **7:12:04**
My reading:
**12:32:12**
